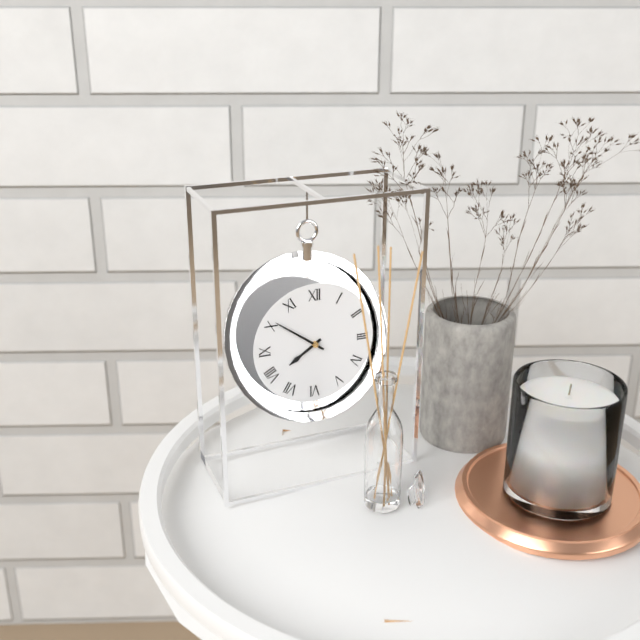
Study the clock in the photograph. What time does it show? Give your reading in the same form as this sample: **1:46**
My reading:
**7:51**
